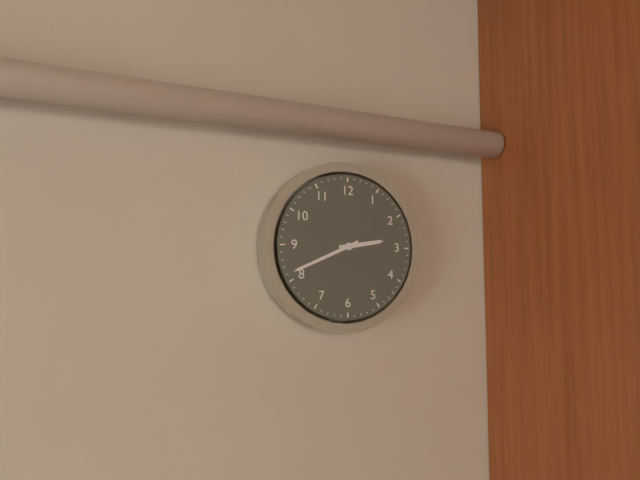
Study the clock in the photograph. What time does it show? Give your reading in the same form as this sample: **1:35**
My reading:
**2:41**
